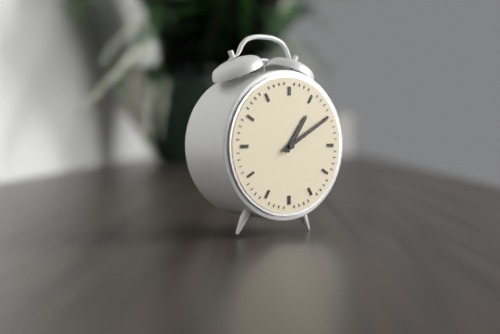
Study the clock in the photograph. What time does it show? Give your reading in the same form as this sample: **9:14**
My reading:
**1:10**
